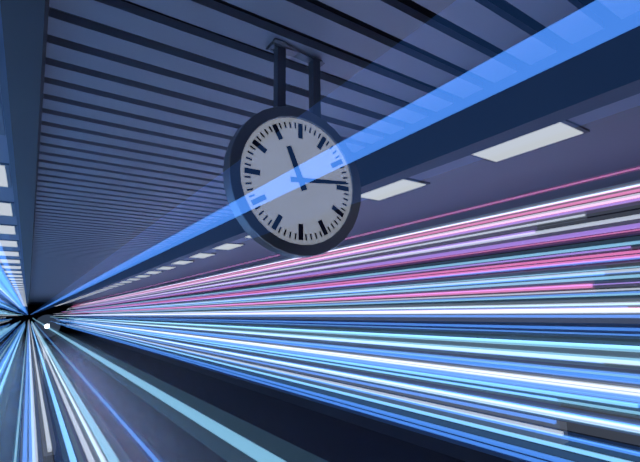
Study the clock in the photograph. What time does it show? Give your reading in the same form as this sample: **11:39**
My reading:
**11:14**
